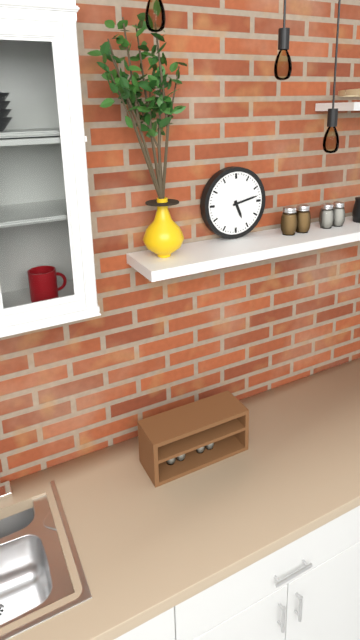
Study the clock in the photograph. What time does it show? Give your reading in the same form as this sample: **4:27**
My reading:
**5:13**
